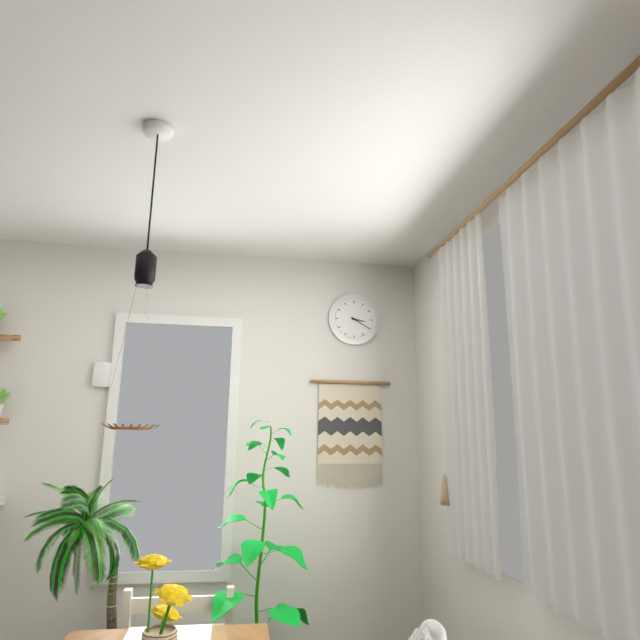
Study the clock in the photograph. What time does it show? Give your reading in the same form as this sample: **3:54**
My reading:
**3:20**
